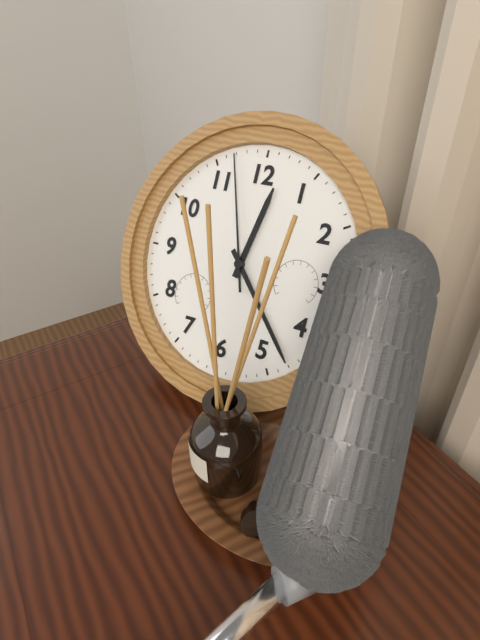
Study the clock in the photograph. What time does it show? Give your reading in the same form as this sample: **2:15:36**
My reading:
**12:23:57**
